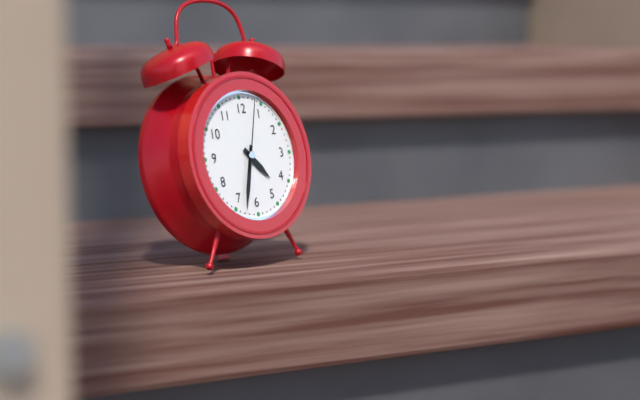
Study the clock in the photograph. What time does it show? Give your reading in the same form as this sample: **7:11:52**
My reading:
**4:33:03**
